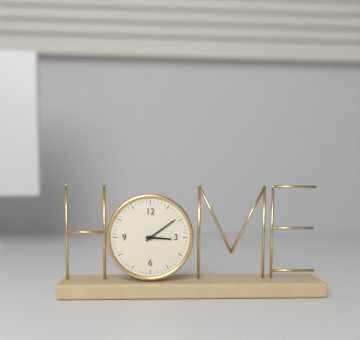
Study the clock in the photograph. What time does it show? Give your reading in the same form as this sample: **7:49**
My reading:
**3:09**
